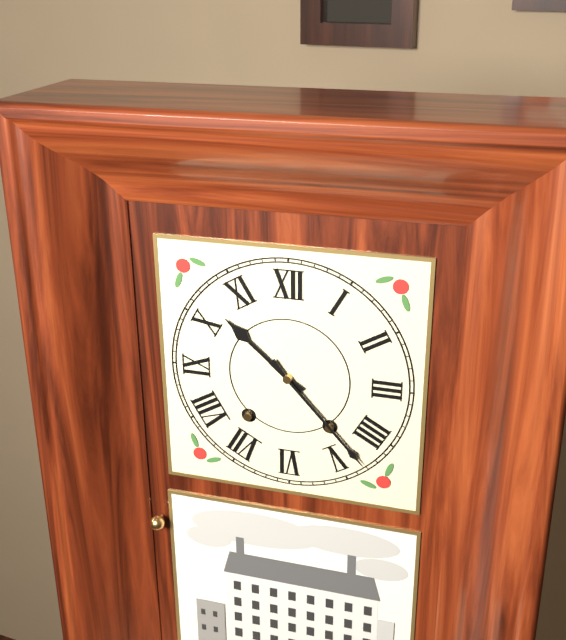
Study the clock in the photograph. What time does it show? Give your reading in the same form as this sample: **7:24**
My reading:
**10:23**
